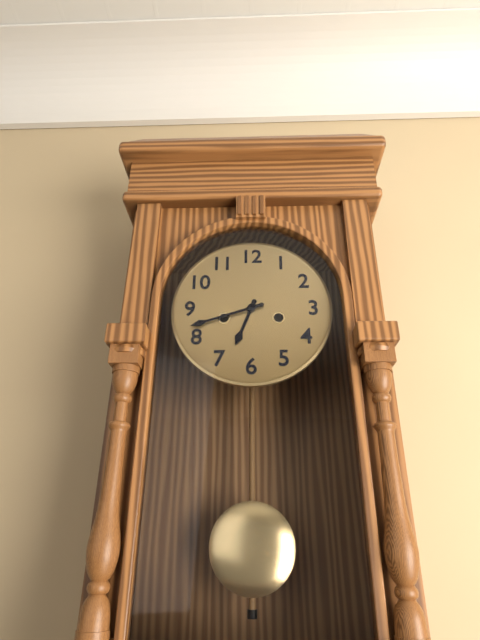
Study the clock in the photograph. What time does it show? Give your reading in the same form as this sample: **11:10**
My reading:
**6:42**
